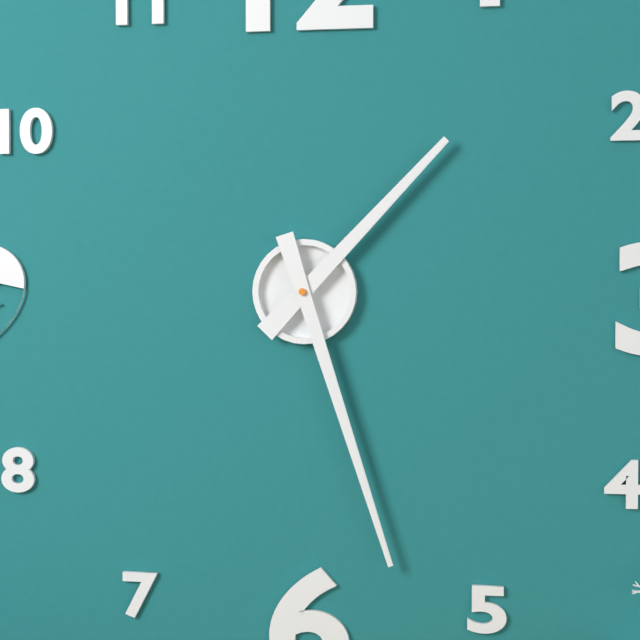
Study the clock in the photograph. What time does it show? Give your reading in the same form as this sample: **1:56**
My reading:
**1:27**
